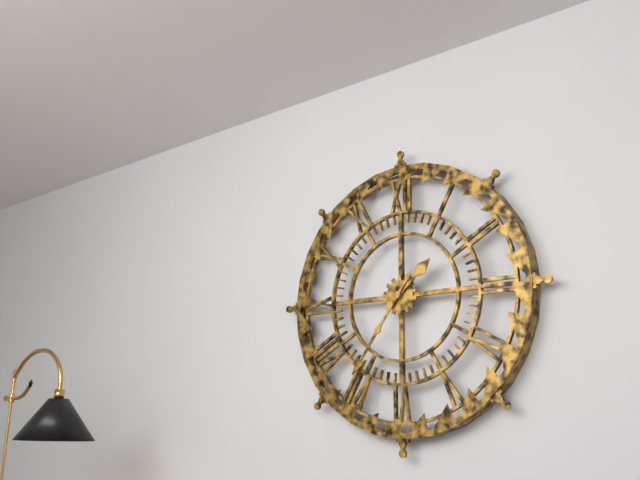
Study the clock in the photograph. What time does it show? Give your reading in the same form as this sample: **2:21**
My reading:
**1:36**
